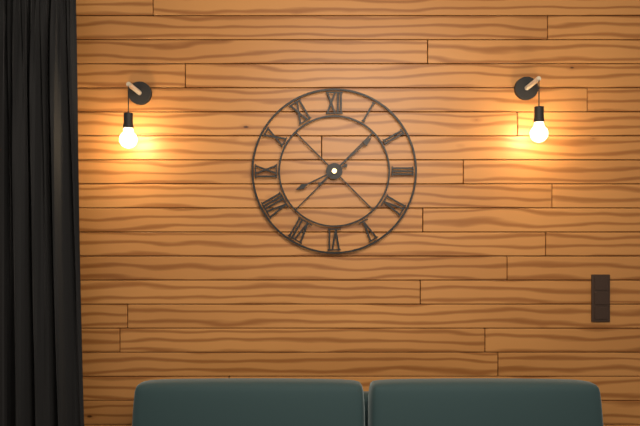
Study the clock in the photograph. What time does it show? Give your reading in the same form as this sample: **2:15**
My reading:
**8:08**
